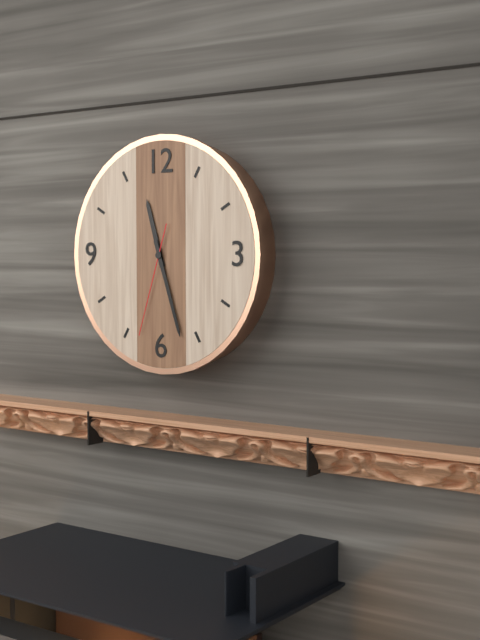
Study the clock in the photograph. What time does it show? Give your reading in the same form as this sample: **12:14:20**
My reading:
**11:27:33**
